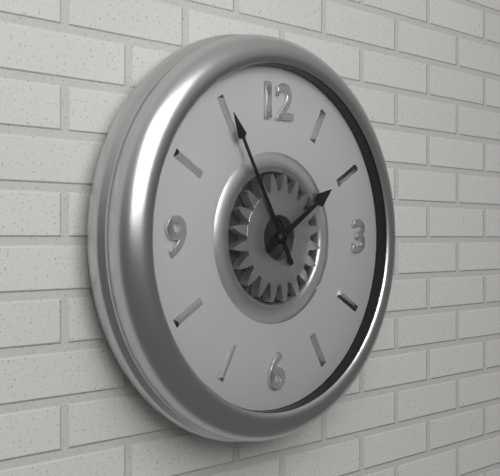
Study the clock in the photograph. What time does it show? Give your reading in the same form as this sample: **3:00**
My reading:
**1:55**
